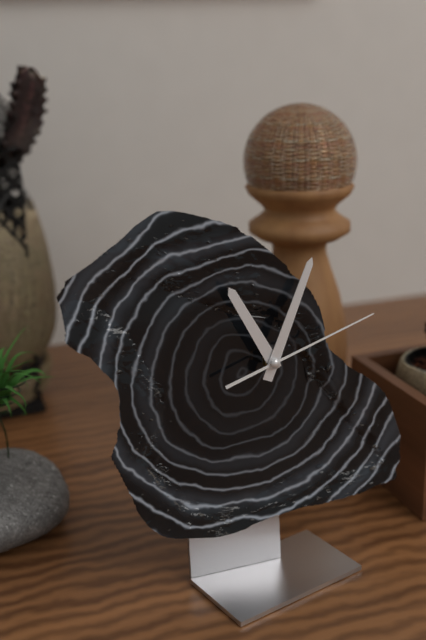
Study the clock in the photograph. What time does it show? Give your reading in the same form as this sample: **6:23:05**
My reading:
**11:04:12**
